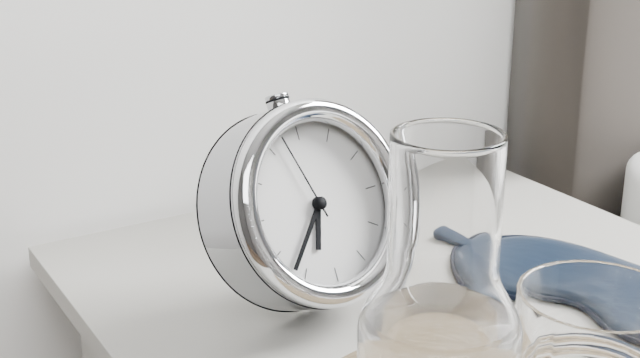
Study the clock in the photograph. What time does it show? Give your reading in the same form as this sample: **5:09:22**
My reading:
**6:37:57**
